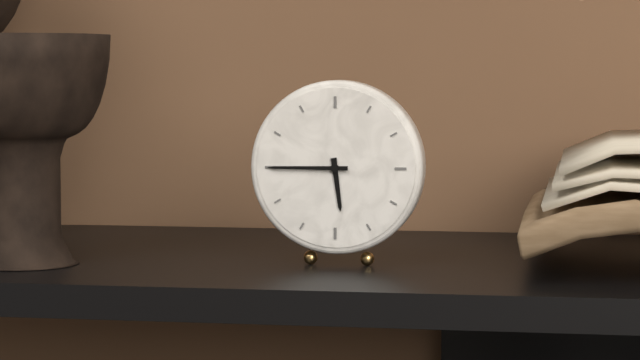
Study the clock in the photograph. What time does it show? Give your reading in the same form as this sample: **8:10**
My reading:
**5:45**
